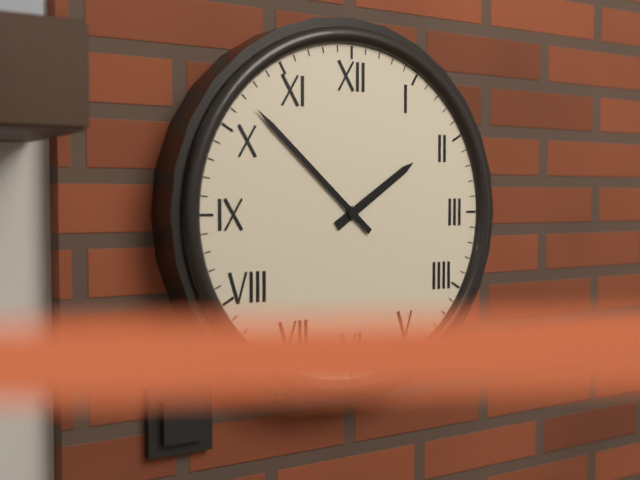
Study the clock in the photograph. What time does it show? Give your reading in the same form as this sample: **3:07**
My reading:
**1:52**
